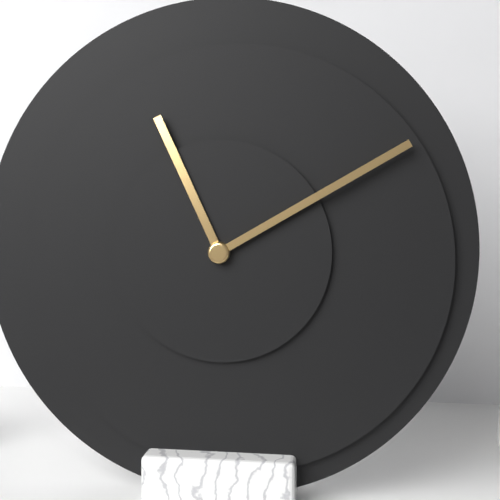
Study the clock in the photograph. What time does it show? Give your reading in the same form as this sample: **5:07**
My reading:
**11:10**
